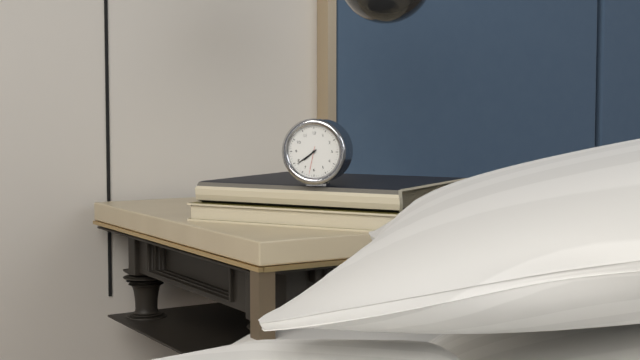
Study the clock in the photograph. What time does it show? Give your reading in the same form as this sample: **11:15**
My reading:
**7:39**
